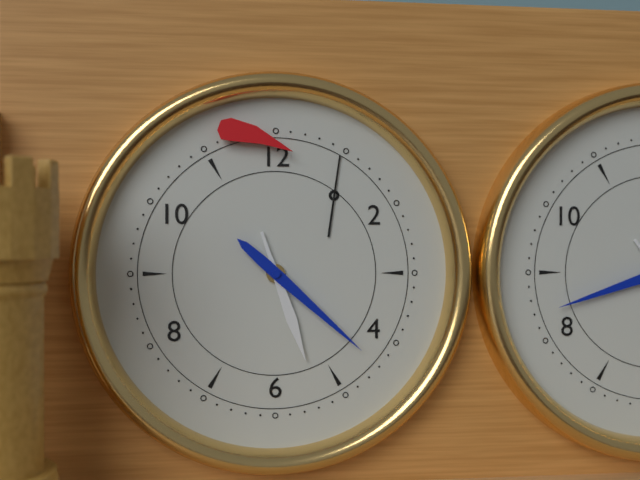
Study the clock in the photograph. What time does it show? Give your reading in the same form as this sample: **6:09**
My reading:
**5:22**
